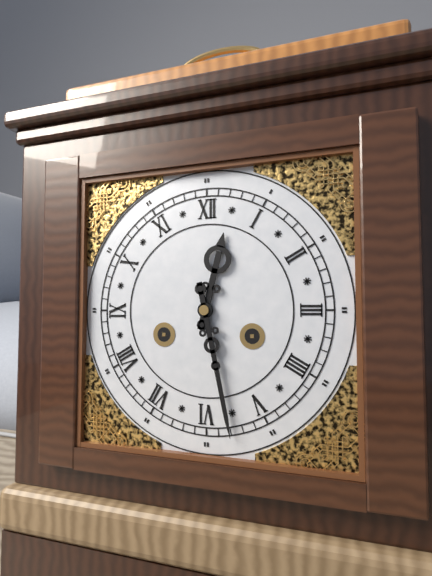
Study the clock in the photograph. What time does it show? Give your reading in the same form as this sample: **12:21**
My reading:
**12:28**
